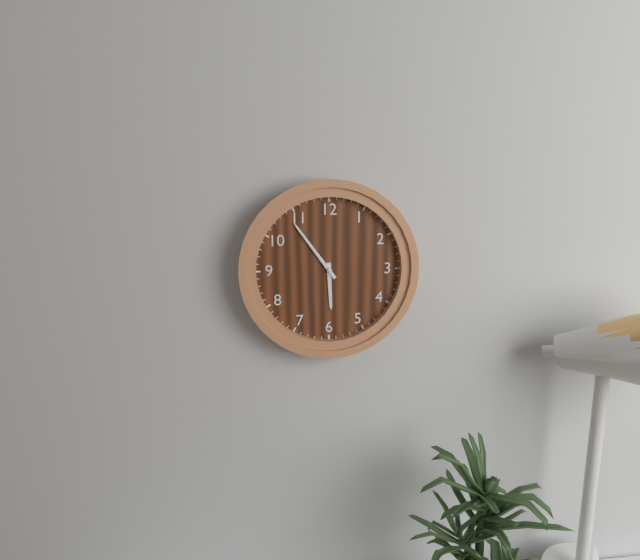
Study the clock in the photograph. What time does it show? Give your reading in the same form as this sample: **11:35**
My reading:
**5:54**
